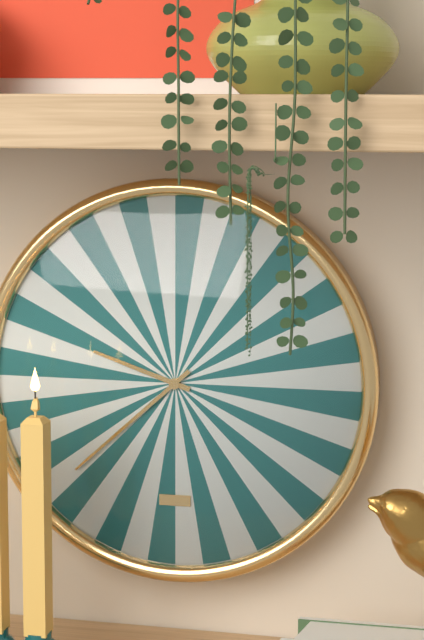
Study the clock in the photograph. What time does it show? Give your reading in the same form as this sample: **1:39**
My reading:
**9:38**
